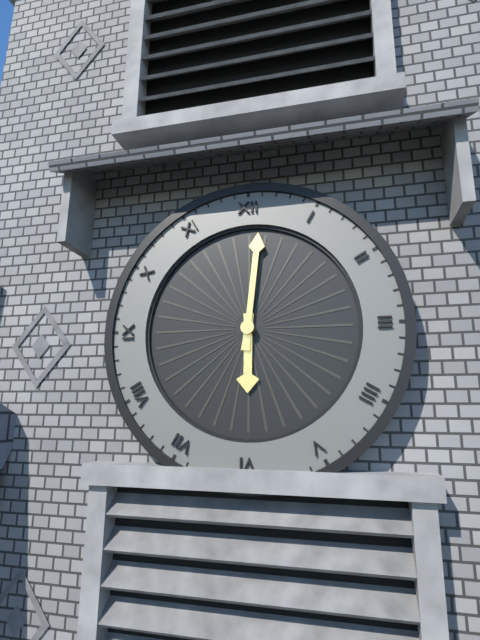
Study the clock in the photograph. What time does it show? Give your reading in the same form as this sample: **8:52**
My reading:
**6:01**
